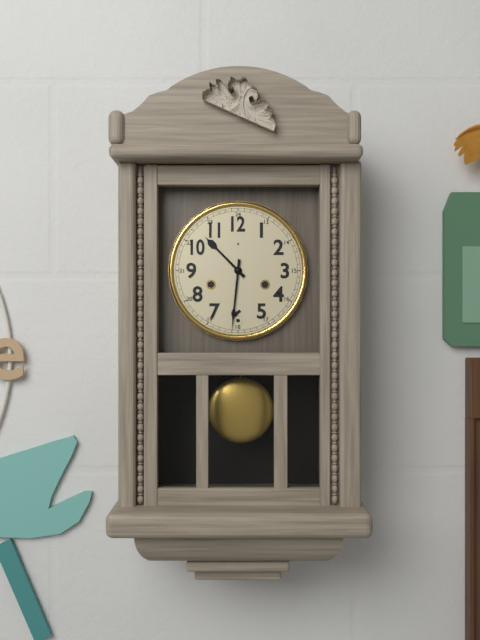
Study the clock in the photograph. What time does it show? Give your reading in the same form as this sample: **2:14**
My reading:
**10:31**
